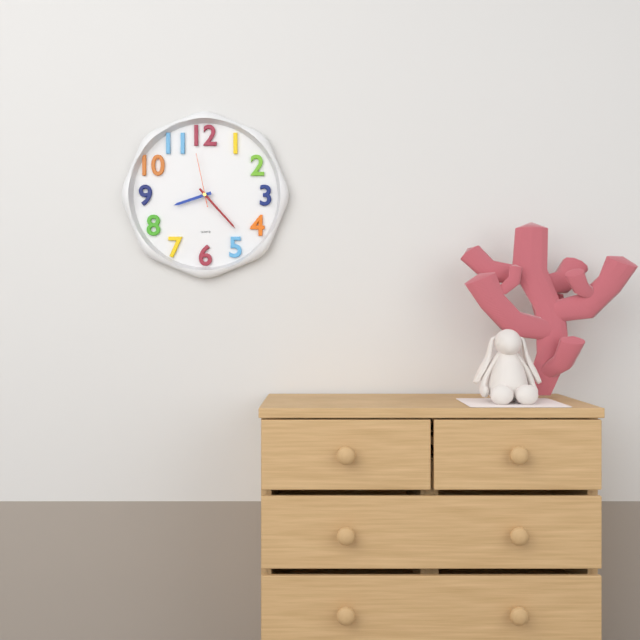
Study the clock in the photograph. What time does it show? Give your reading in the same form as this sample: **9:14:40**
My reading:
**8:23:58**
